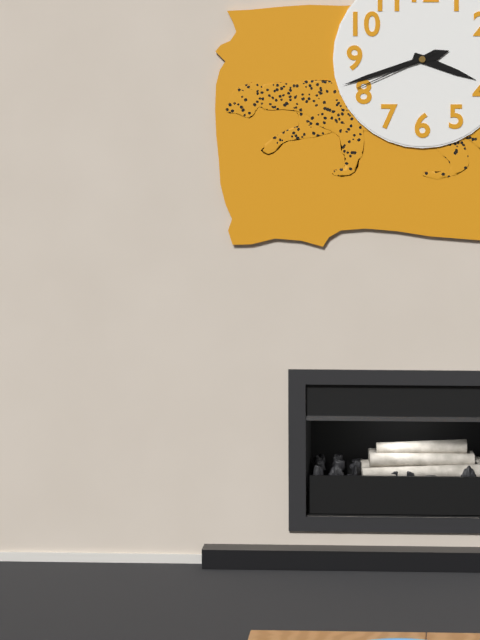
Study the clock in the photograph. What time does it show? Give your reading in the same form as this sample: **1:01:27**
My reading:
**3:42:41**
